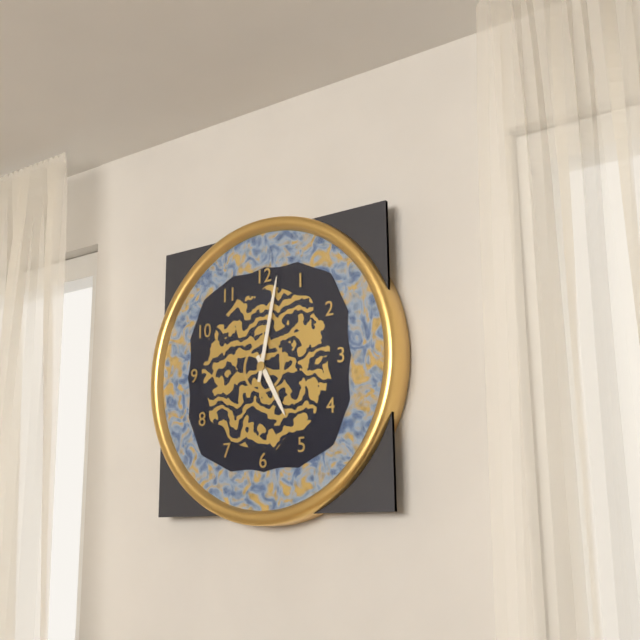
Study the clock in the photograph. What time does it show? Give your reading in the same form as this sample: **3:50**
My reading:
**5:02**
